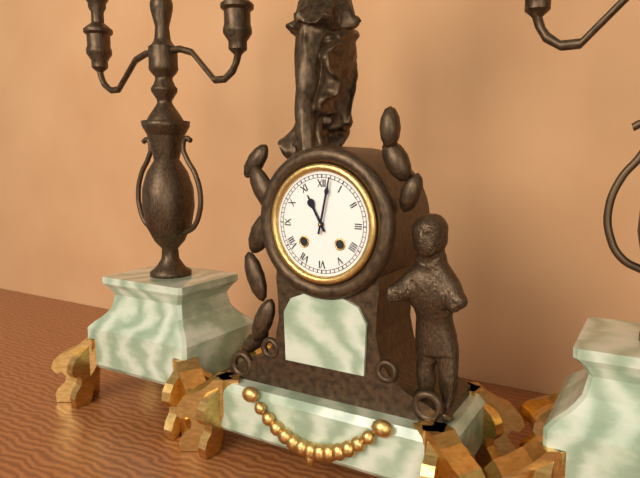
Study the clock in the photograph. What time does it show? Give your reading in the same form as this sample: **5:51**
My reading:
**11:02**
